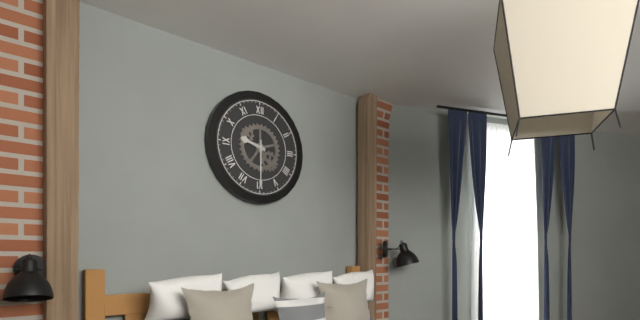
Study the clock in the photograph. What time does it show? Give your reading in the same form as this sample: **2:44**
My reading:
**9:30**
